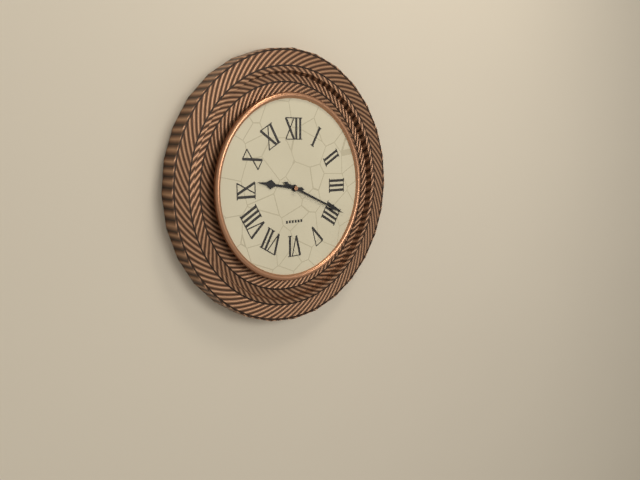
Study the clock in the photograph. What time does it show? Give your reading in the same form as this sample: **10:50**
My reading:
**9:19**
